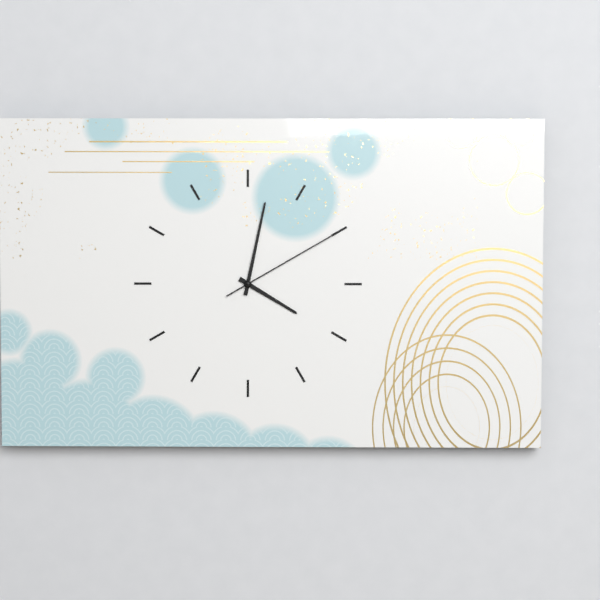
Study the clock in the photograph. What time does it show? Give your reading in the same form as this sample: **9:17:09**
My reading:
**4:02:10**
